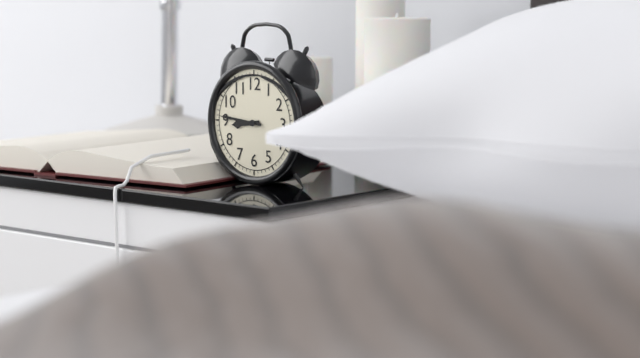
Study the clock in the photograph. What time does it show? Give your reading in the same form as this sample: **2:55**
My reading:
**8:46**
